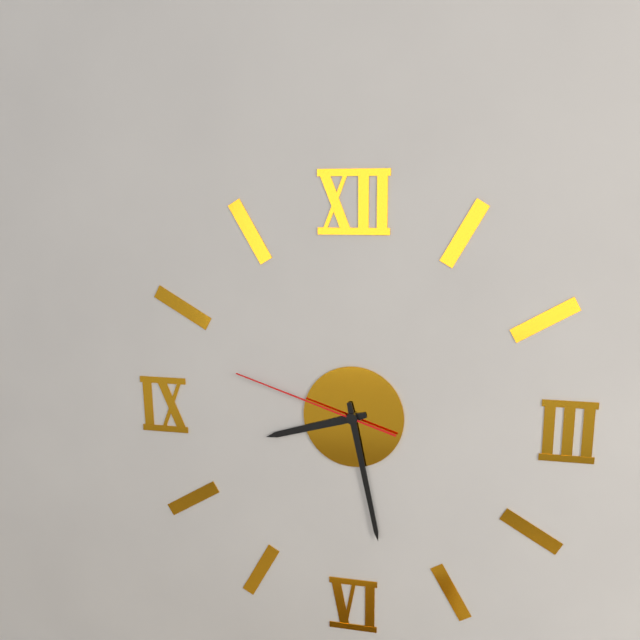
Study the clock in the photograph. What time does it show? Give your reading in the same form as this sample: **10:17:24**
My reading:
**8:28:48**
